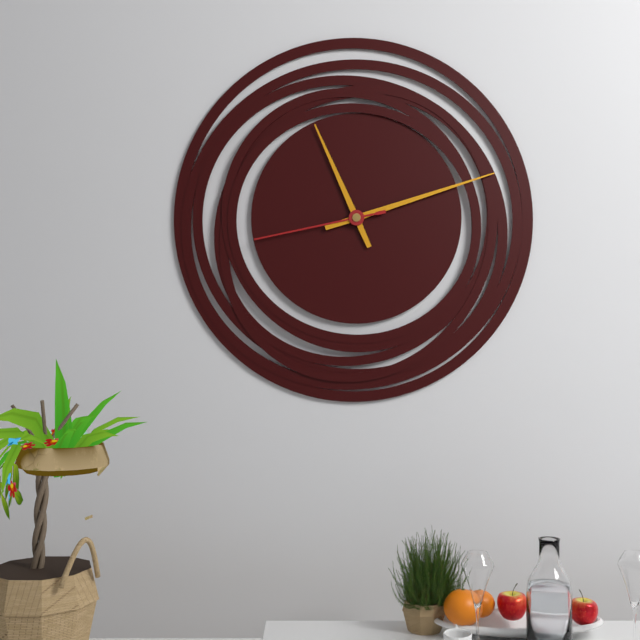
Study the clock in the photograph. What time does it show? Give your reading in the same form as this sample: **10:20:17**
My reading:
**11:12:43**
